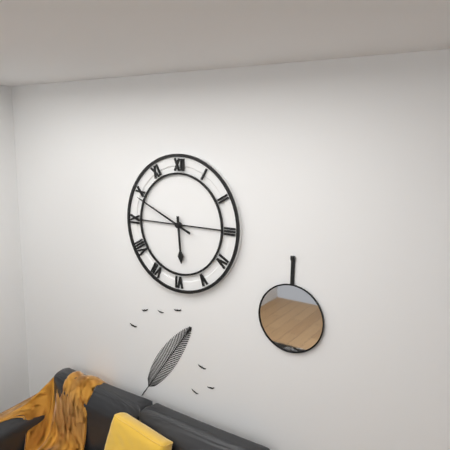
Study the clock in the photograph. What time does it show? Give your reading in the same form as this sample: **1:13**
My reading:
**5:49**
